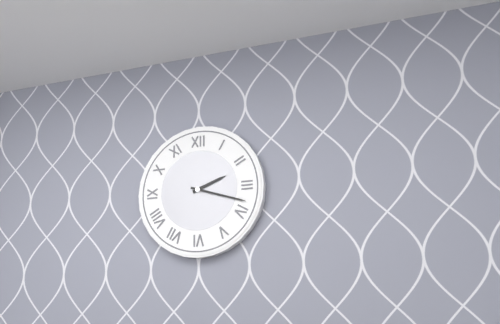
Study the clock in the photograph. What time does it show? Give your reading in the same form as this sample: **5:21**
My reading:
**2:18**
